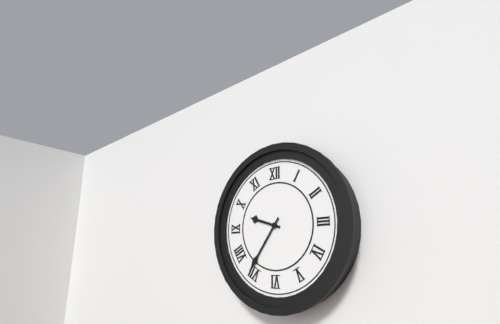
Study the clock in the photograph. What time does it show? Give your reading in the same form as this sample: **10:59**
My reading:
**9:36**
